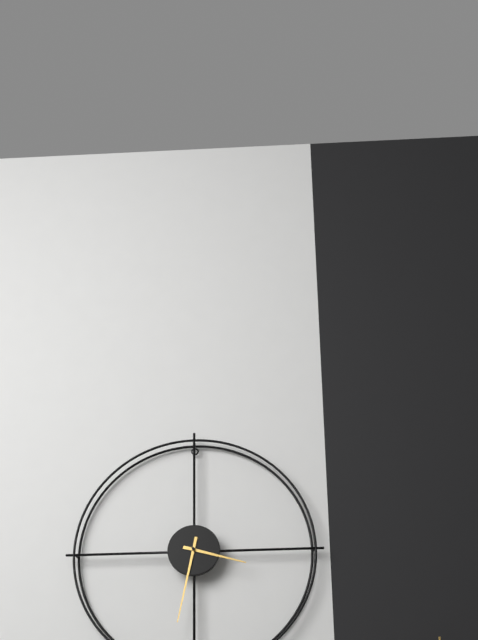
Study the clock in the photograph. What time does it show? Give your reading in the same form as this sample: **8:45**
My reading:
**3:32**
